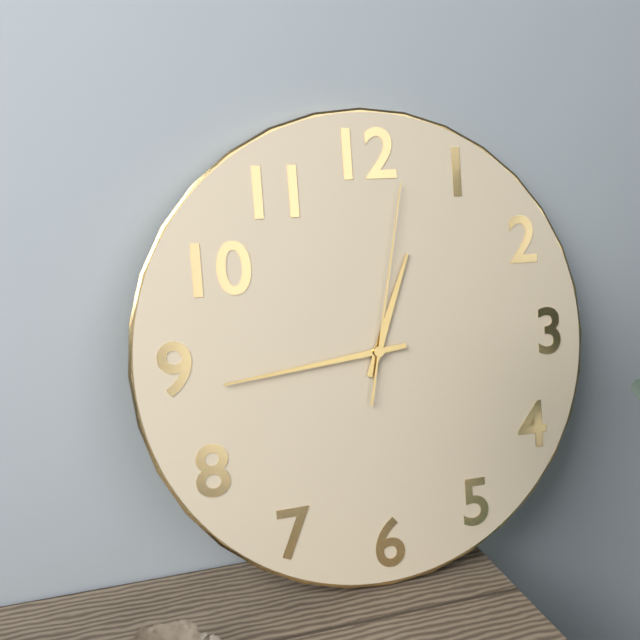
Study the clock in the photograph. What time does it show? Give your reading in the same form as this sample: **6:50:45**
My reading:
**12:44:02**
